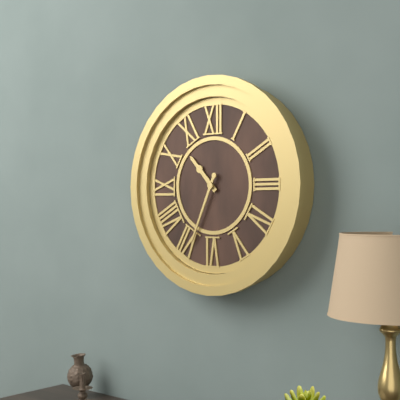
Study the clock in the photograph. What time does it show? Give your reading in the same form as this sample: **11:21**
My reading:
**10:34**
